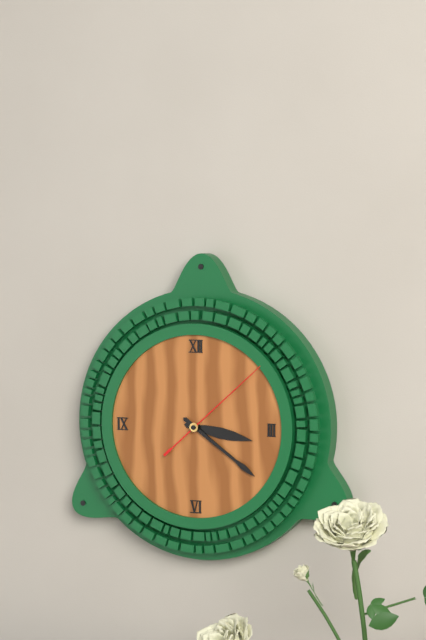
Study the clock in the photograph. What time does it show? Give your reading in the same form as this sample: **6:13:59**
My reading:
**3:21:08**
